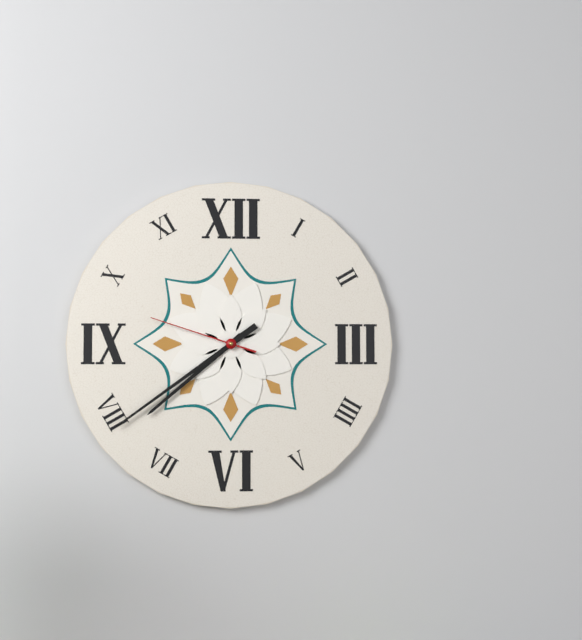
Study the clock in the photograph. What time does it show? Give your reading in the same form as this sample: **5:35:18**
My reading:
**7:39:48**
